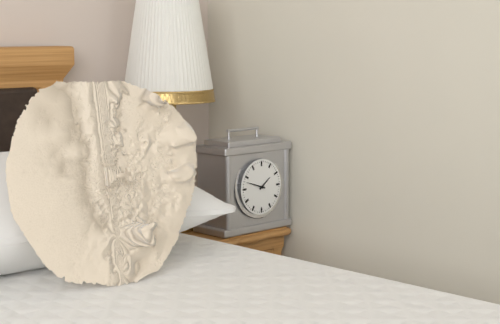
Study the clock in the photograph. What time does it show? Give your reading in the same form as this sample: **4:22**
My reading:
**1:48**
